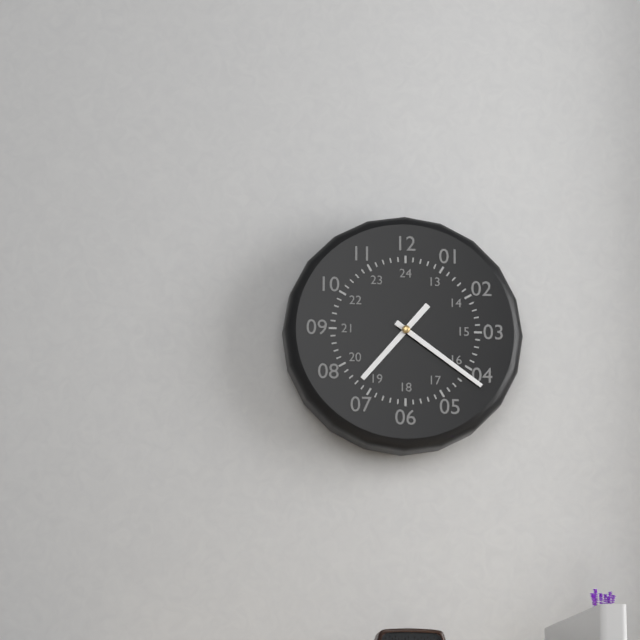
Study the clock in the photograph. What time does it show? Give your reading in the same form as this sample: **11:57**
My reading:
**7:21**
